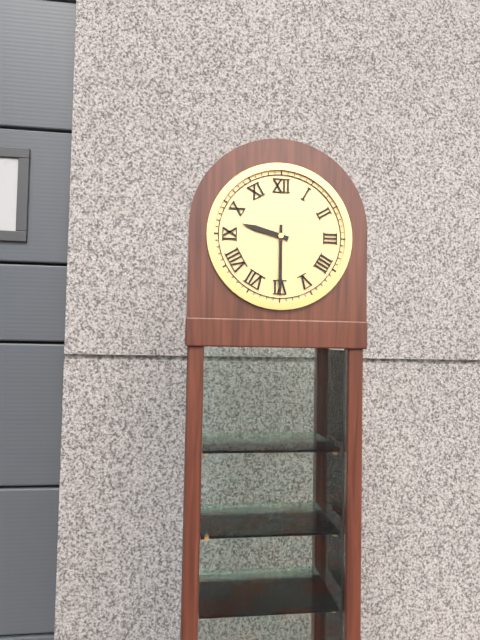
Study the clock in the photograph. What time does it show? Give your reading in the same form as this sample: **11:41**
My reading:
**9:30**
